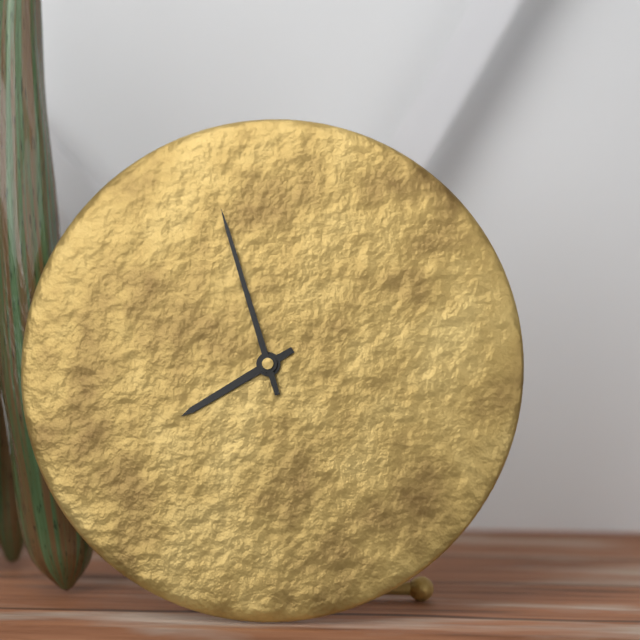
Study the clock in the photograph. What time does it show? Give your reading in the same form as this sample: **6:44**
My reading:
**7:57**
